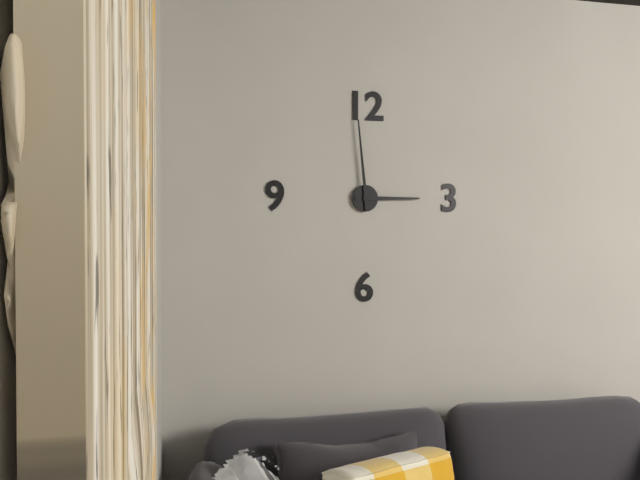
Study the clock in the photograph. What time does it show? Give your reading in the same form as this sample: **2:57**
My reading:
**2:59**
